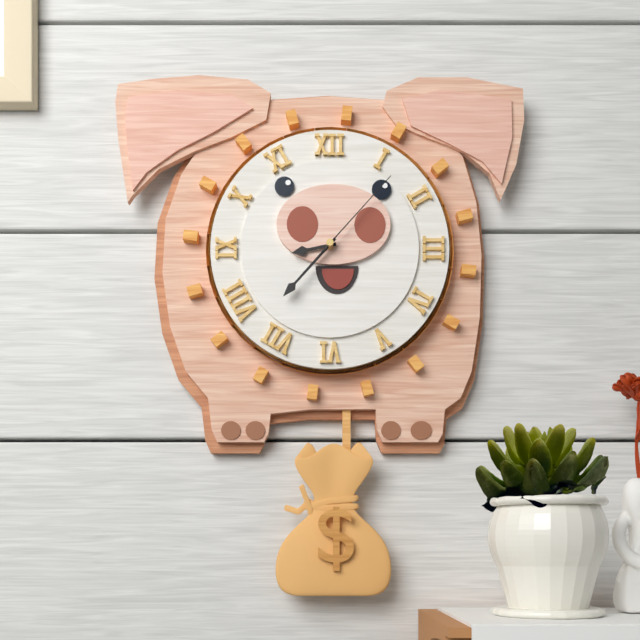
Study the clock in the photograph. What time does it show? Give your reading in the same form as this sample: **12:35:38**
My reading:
**8:37:07**
